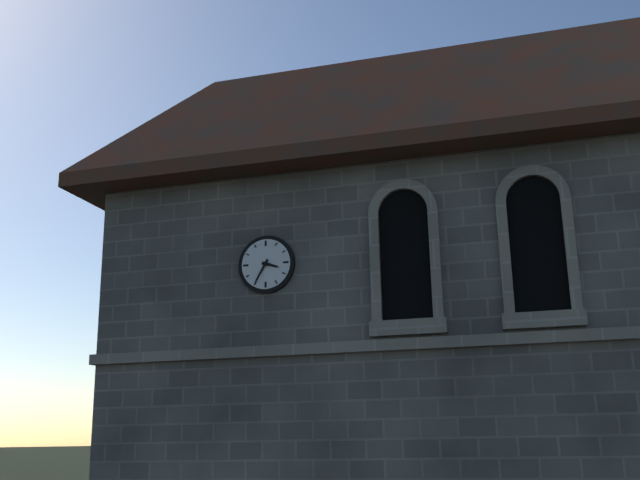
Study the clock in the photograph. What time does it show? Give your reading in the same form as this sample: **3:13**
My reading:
**3:35**
